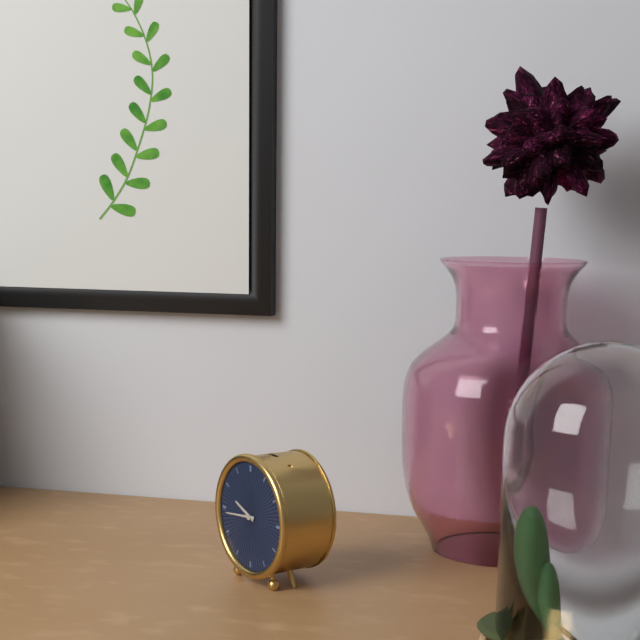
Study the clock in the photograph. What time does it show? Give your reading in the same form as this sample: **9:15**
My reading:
**9:44**
